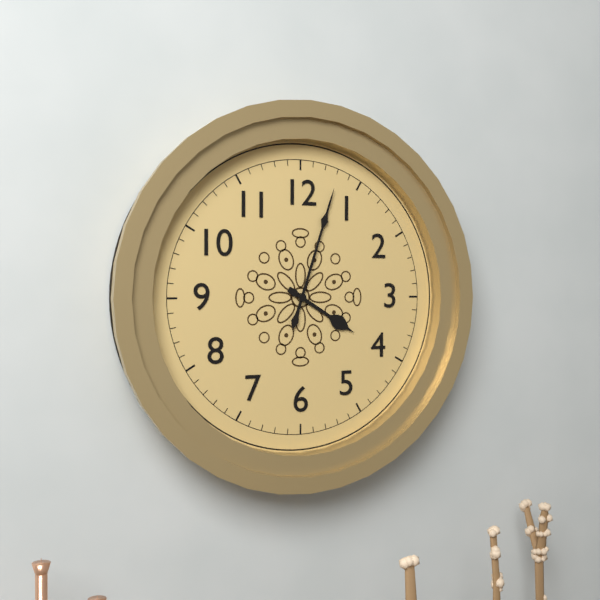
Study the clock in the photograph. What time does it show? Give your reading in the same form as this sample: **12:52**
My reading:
**4:03**
